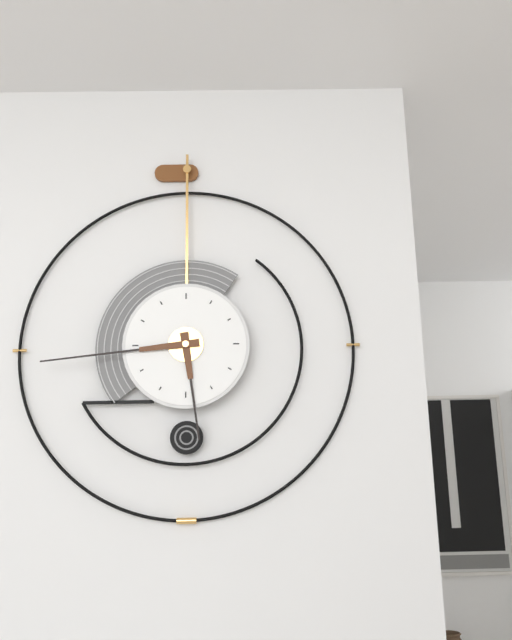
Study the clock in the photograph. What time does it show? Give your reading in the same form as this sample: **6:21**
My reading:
**5:44**
